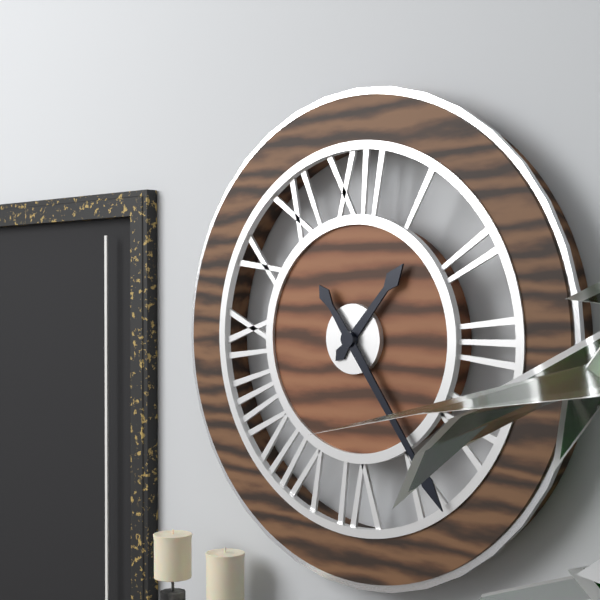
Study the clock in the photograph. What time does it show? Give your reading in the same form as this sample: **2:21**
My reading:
**1:24**
